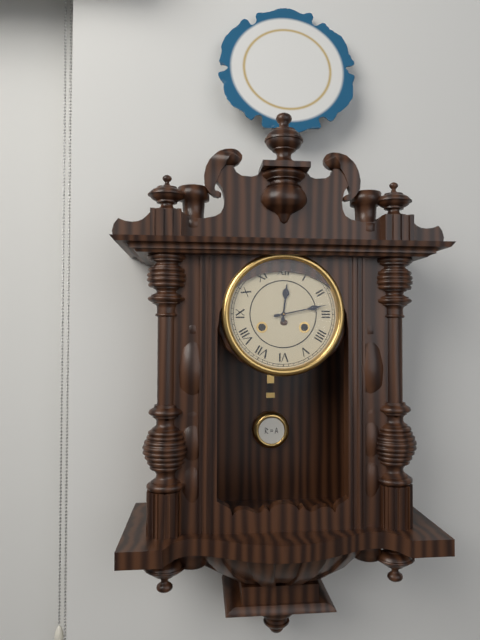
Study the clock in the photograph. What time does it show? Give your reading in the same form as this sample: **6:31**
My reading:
**12:13**
